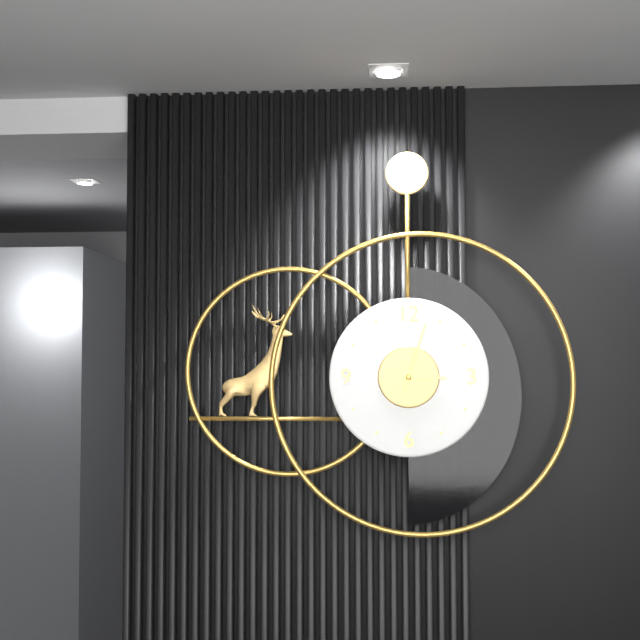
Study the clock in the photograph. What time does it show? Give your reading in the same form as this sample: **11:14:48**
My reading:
**3:03:03**
